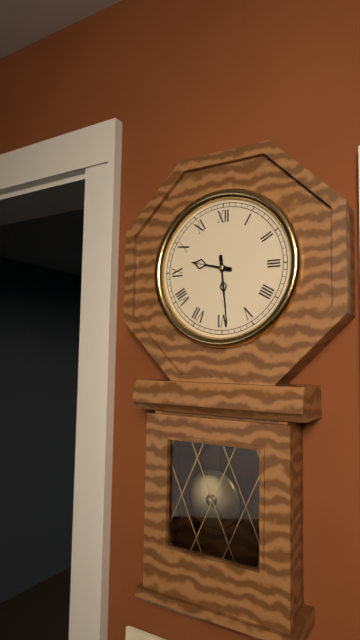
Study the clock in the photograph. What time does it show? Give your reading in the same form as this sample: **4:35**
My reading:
**9:29**
